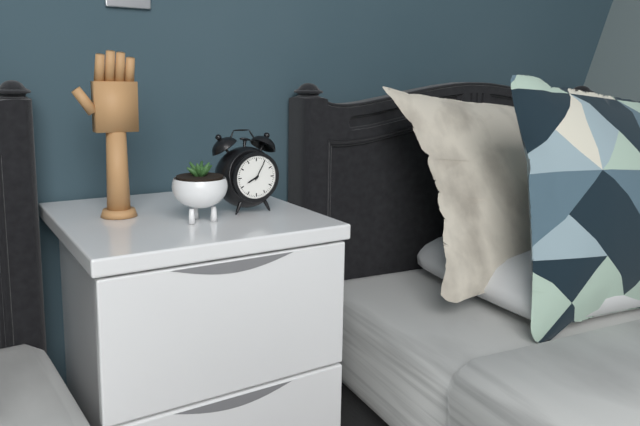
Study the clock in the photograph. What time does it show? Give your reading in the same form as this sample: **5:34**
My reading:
**8:05**
